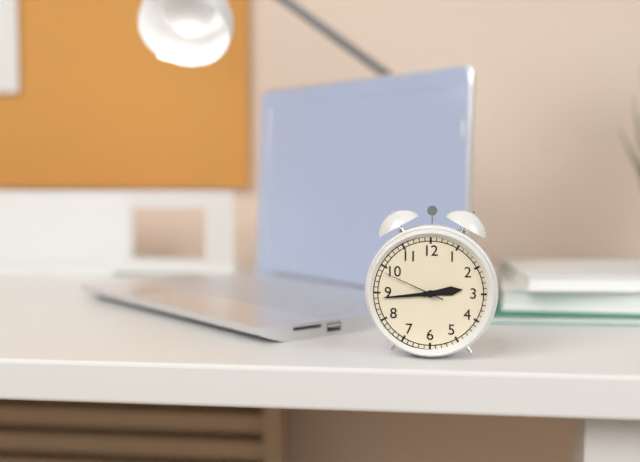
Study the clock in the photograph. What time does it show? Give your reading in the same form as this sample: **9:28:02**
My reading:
**2:44:49**
